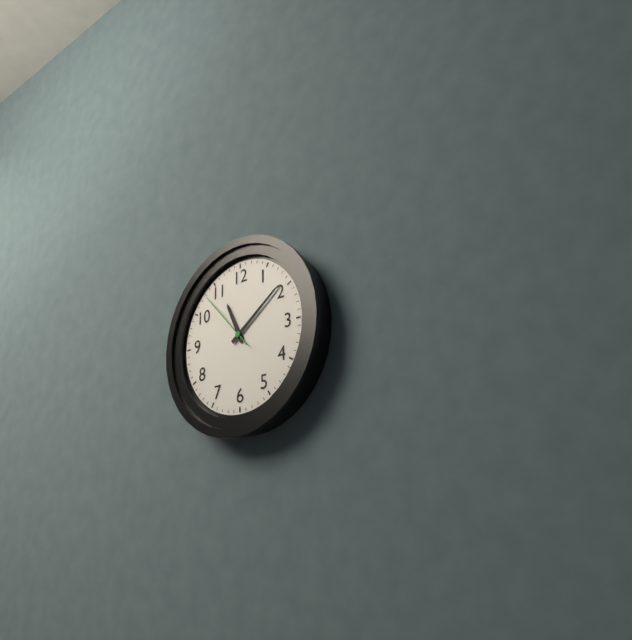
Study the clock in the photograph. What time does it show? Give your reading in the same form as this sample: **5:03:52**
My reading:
**11:09:53**
